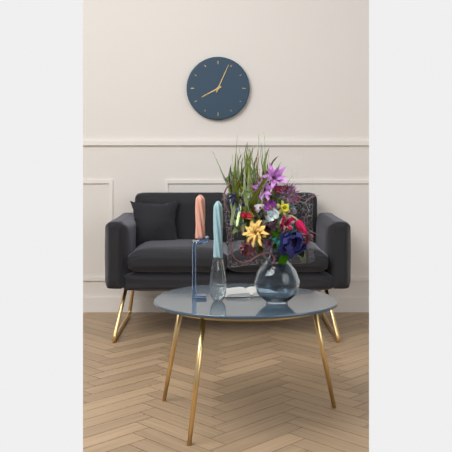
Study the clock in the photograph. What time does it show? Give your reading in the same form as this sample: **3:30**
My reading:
**8:04**
